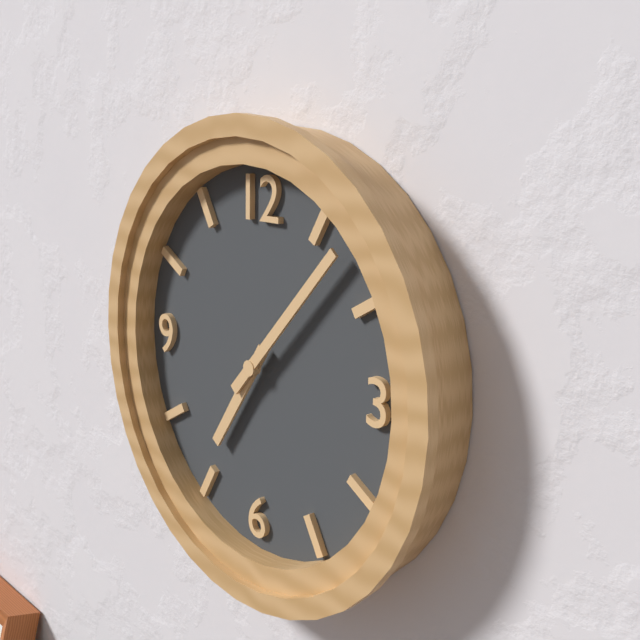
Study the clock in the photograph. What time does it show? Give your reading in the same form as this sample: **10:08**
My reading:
**7:07**
